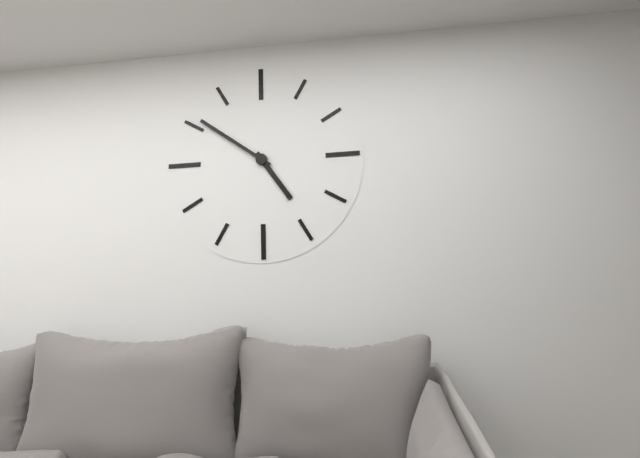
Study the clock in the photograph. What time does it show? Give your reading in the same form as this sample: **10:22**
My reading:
**4:51**
